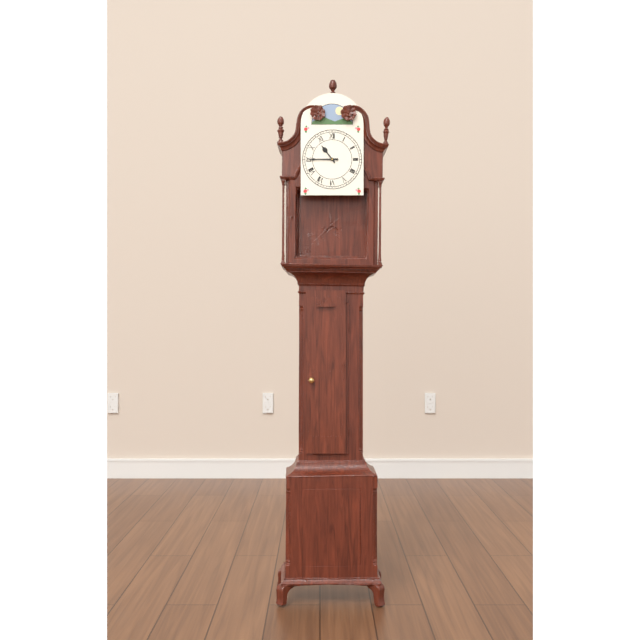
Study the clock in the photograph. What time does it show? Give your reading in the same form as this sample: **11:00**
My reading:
**10:45**
